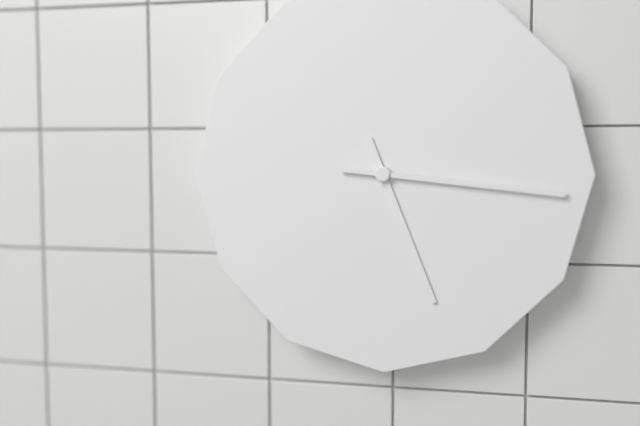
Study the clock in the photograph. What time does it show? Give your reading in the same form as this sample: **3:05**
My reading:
**5:16**
